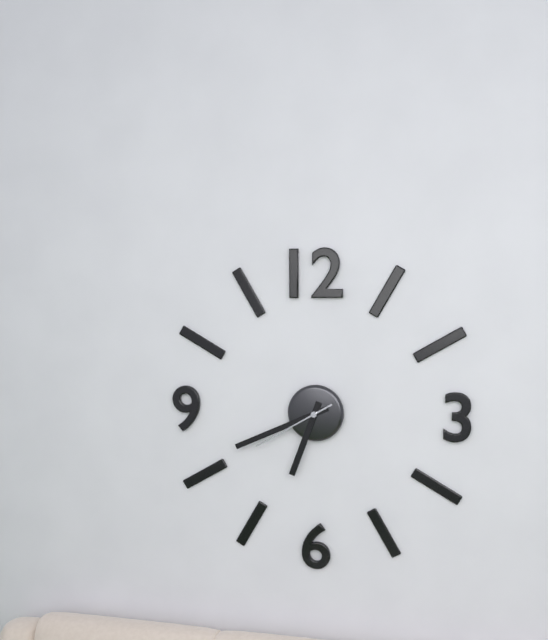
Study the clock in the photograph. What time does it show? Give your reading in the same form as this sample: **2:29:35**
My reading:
**6:41:40**
